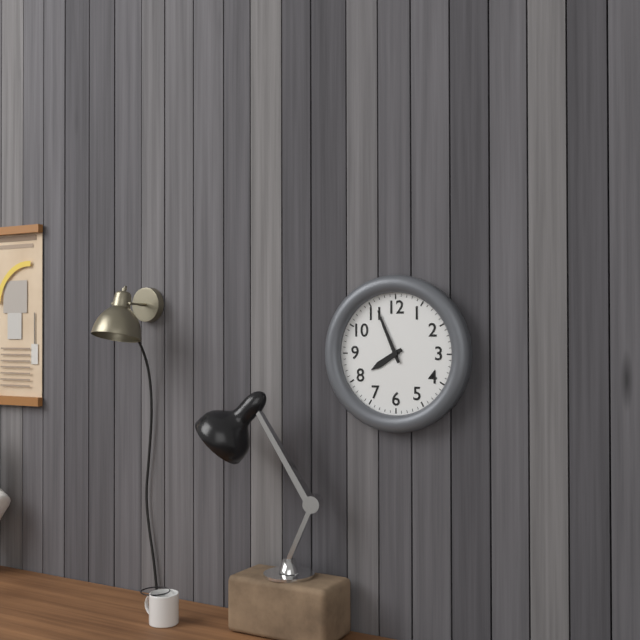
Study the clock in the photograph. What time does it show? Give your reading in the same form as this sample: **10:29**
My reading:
**7:56**
